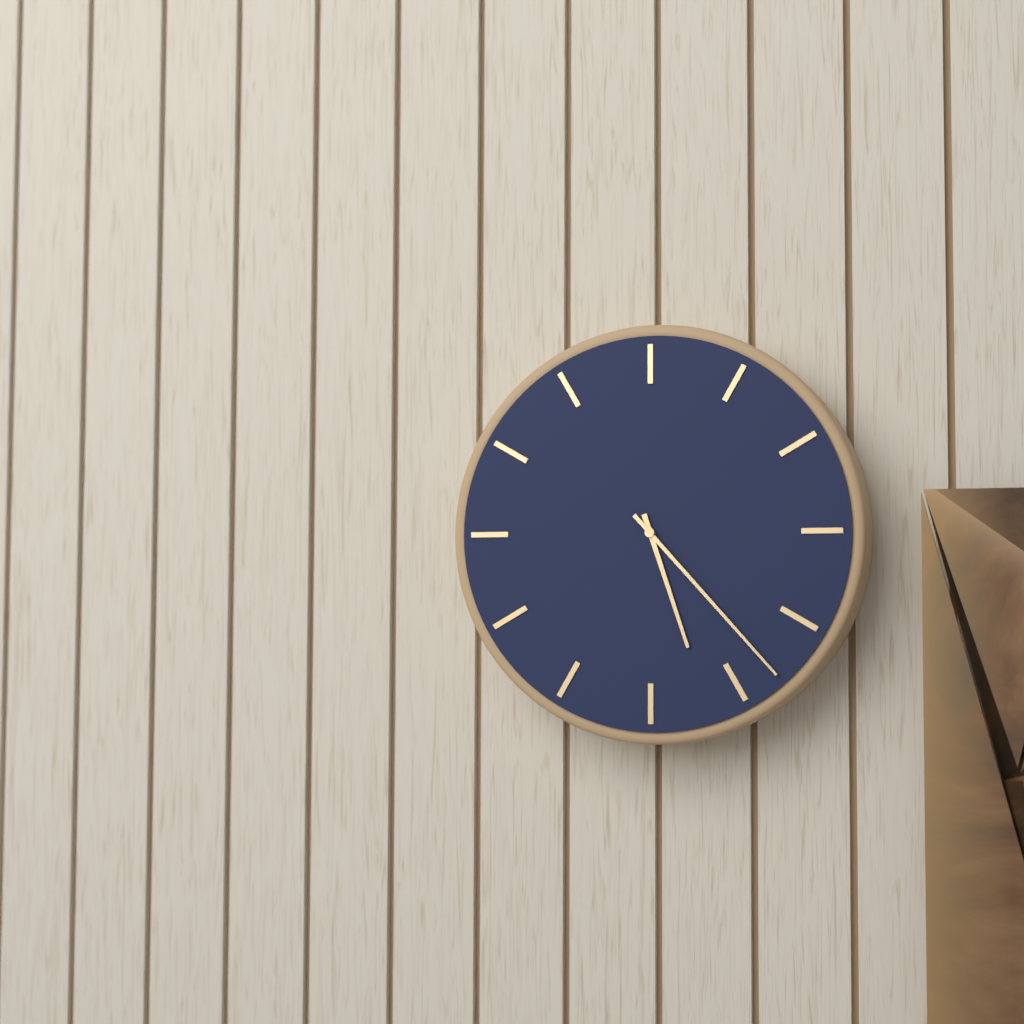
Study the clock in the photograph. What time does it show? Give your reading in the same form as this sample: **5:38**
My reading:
**5:23**
